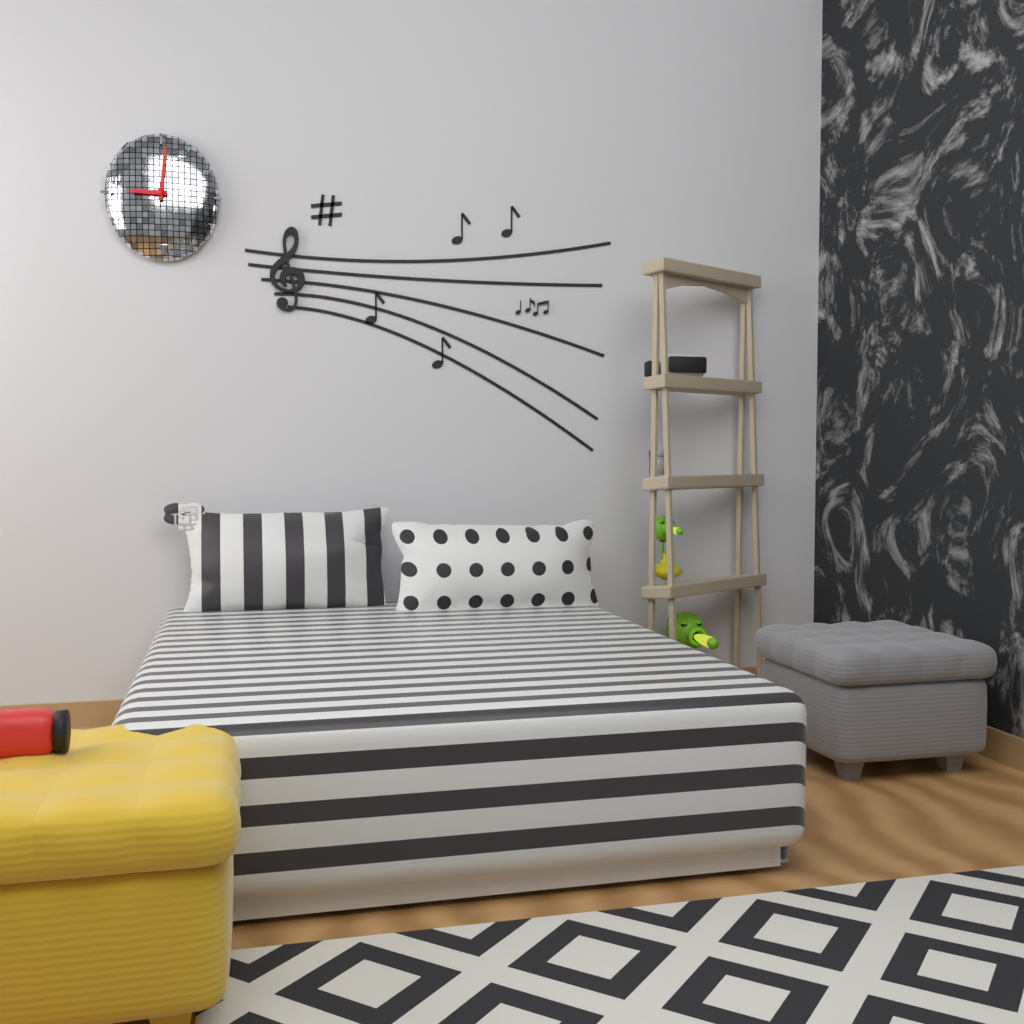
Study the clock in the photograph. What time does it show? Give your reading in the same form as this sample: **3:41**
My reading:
**9:01**
